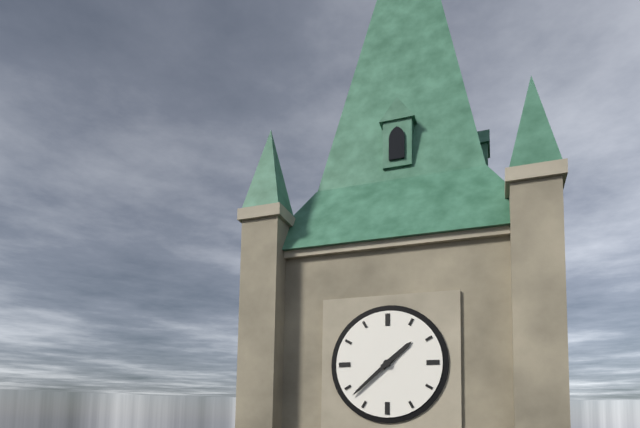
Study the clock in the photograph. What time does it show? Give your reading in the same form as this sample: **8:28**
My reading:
**1:38**
